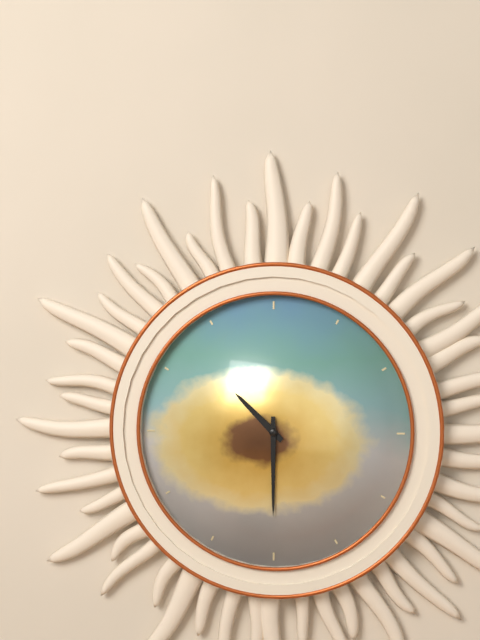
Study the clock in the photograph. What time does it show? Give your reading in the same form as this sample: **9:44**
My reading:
**10:30**
